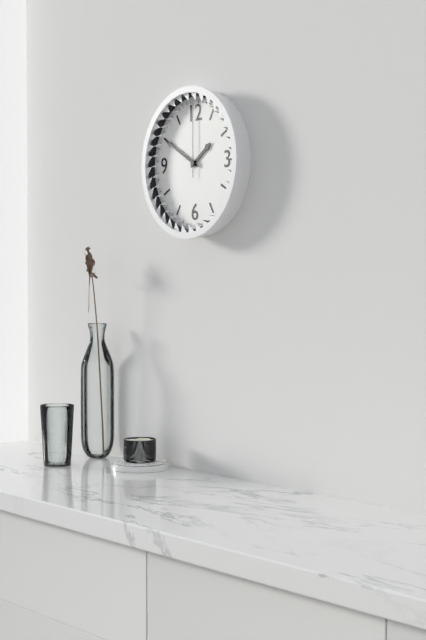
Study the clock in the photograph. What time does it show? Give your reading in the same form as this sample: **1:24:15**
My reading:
**1:50:00**
